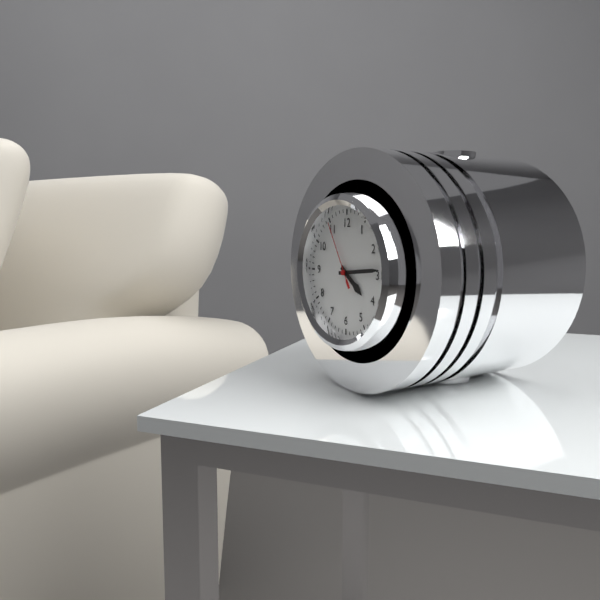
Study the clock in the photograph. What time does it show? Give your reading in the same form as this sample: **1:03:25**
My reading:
**4:14:55**
